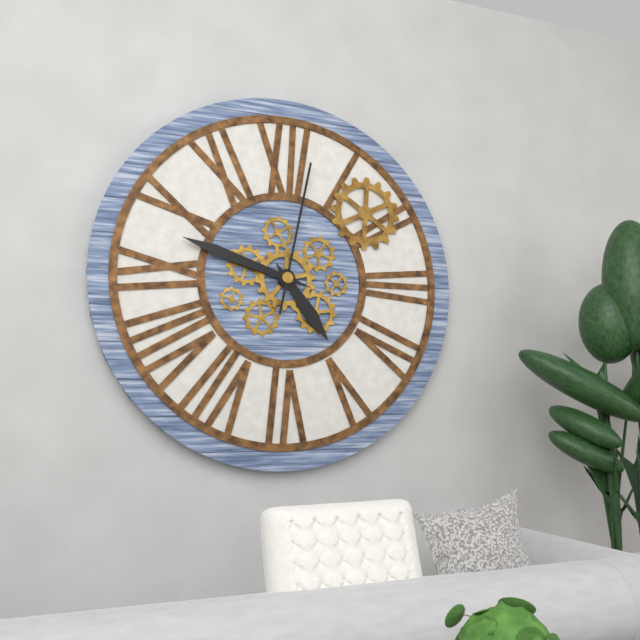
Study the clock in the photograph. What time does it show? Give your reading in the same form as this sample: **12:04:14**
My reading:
**4:48:02**
